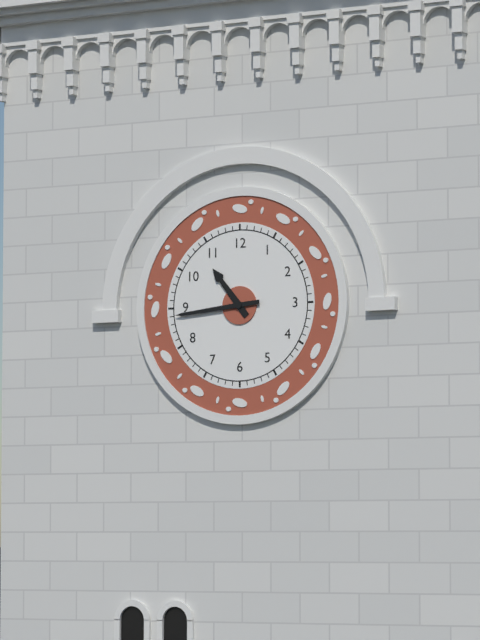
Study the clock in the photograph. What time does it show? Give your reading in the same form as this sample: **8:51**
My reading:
**10:44**
